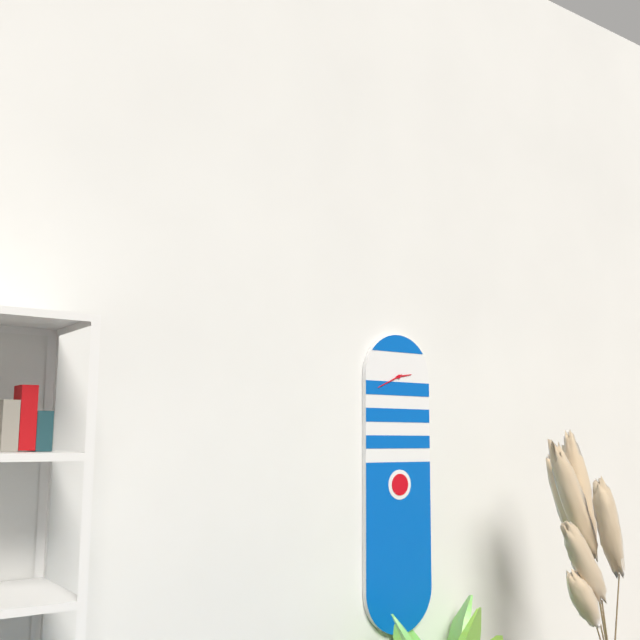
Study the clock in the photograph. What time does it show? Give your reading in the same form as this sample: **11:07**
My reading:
**2:41**
